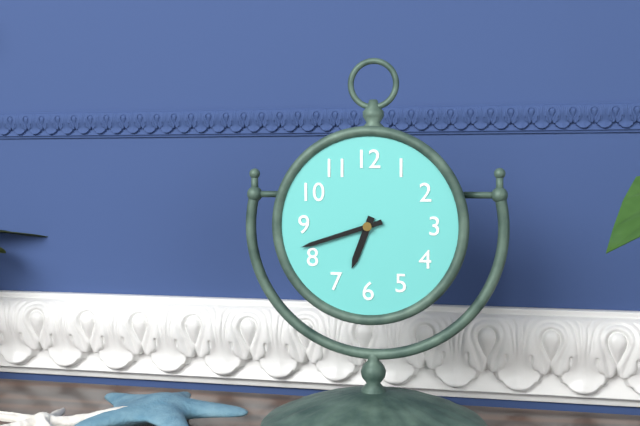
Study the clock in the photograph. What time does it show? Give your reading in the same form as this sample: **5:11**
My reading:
**6:42**
